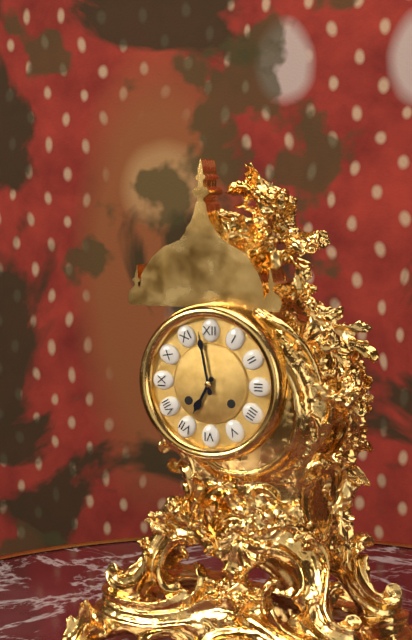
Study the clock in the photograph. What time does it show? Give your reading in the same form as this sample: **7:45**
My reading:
**6:58**
